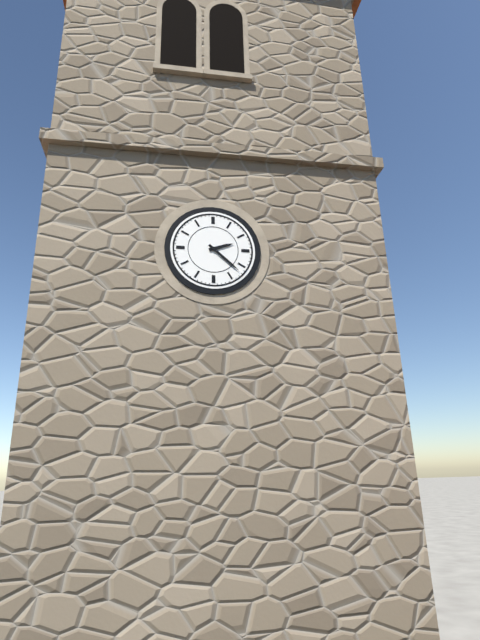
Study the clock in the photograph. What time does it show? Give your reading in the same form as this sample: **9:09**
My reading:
**2:22**
